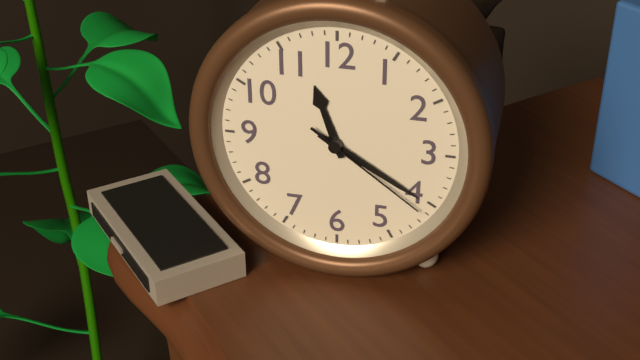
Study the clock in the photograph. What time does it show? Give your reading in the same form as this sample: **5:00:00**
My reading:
**11:20:21**
